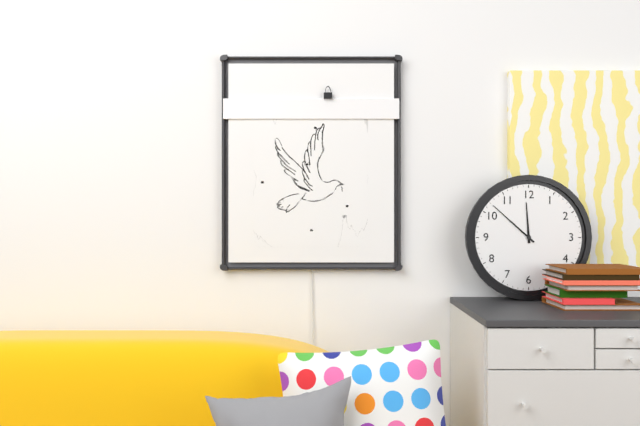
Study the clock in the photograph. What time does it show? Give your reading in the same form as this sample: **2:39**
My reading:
**11:52**
